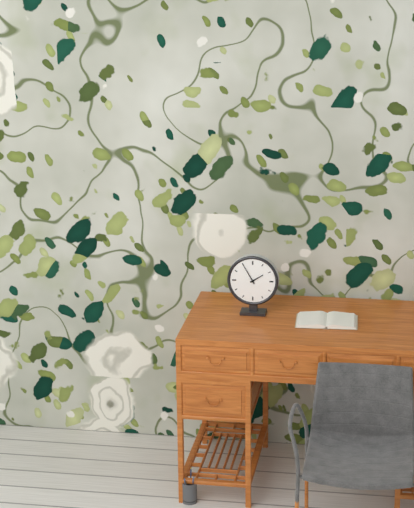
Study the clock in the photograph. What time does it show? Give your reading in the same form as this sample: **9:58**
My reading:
**1:55**
